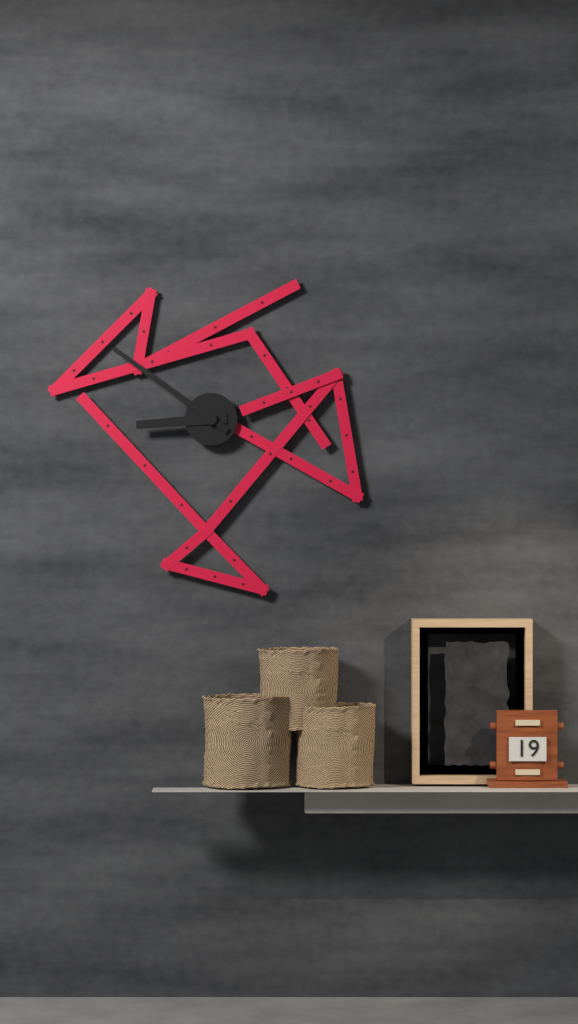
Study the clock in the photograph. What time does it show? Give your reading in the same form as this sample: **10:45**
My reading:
**8:51**
